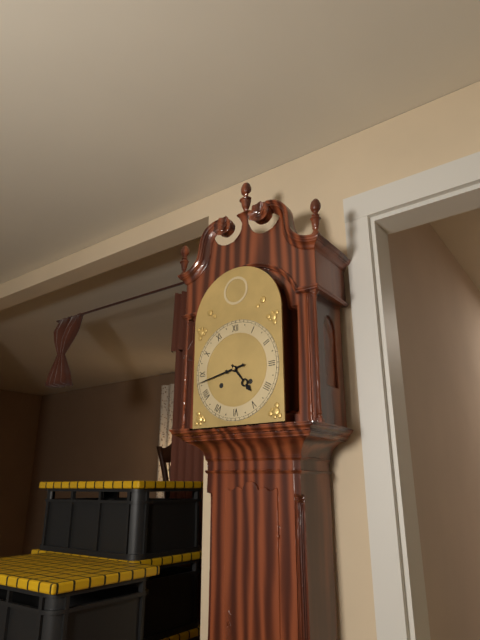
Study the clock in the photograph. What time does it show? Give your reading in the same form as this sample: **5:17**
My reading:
**4:43**
